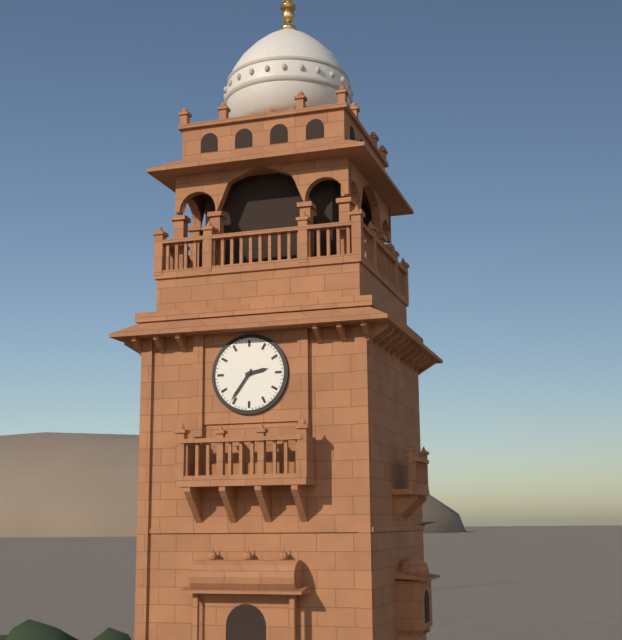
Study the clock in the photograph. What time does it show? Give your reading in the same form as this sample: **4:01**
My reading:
**2:36**
